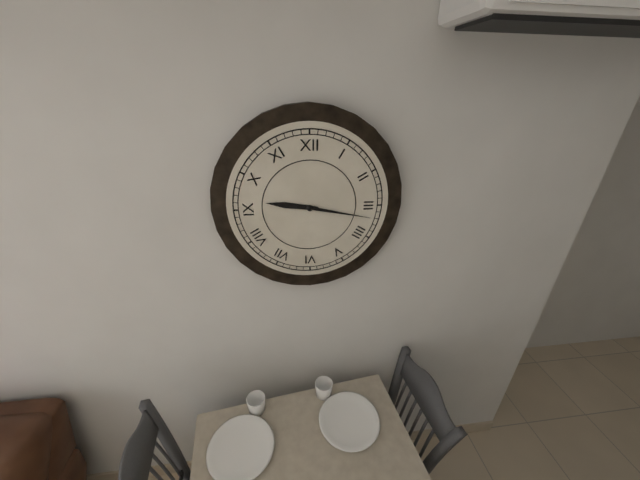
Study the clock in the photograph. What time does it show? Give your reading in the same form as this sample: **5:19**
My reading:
**9:17**
